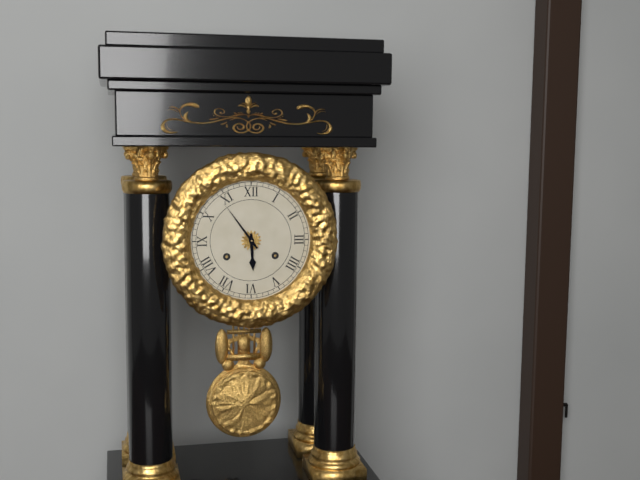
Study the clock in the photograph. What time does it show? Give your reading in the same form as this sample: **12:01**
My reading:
**5:54**
